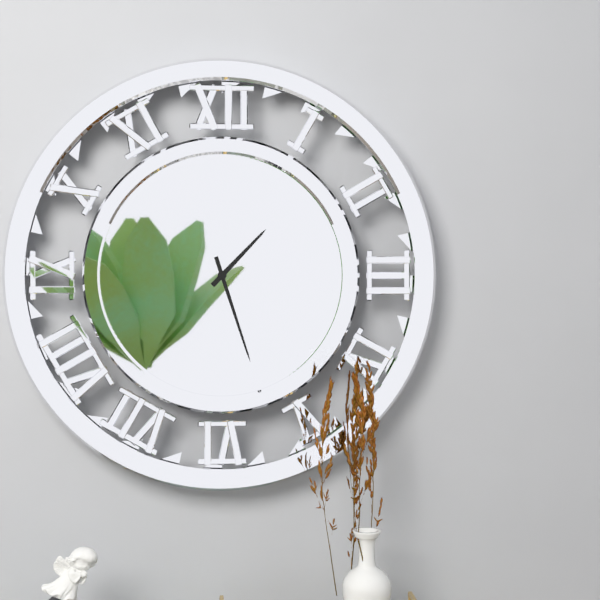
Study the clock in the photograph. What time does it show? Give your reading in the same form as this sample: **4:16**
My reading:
**1:27**
